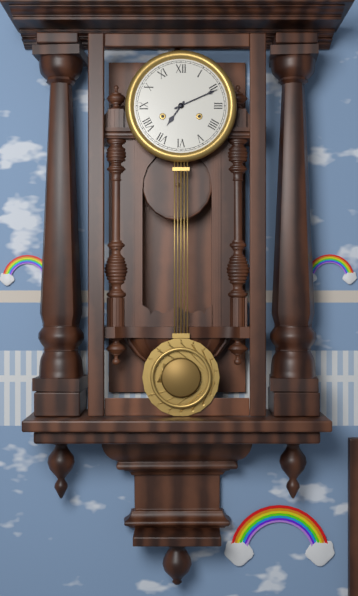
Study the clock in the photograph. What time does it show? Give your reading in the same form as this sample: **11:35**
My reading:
**7:11**
